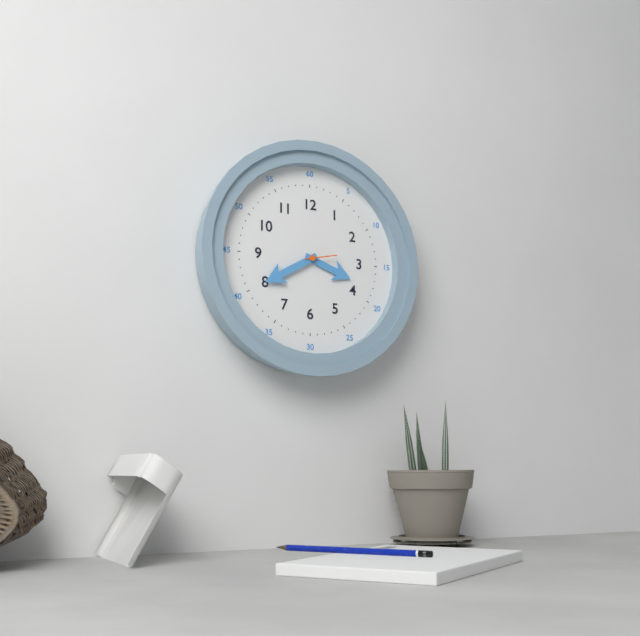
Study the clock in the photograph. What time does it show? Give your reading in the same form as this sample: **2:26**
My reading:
**3:40**
